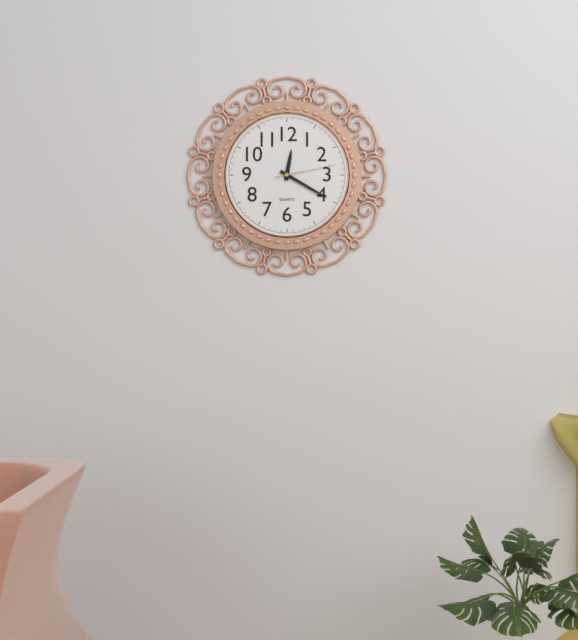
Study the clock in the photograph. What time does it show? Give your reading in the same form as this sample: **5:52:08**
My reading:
**12:20:13**
